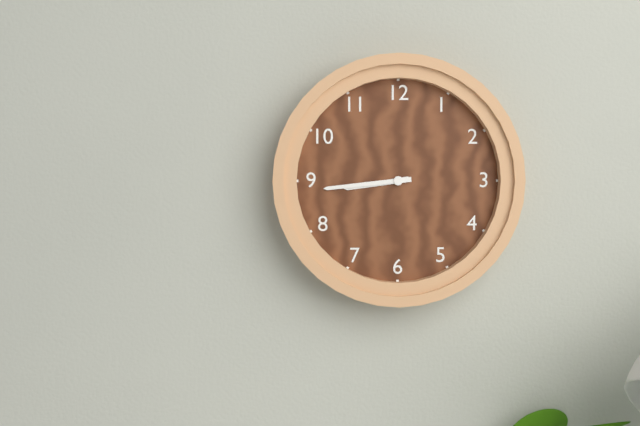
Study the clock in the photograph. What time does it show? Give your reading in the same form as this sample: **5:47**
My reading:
**8:44**
